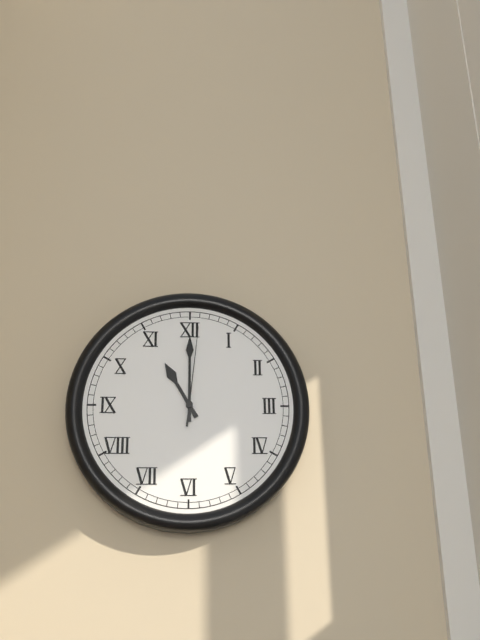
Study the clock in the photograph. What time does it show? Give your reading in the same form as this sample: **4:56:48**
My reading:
**11:00:01**
